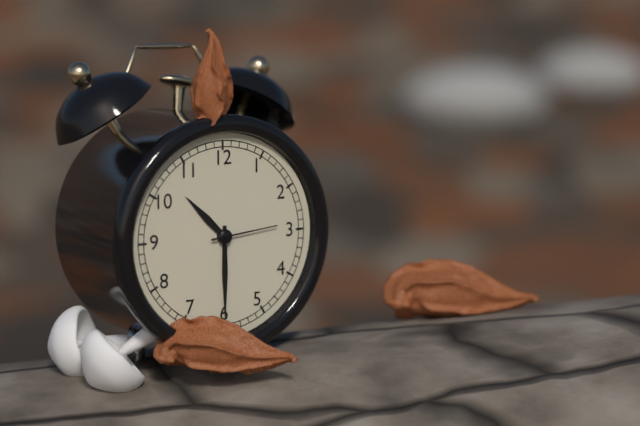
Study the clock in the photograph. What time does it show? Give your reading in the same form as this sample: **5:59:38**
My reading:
**10:30:14**
